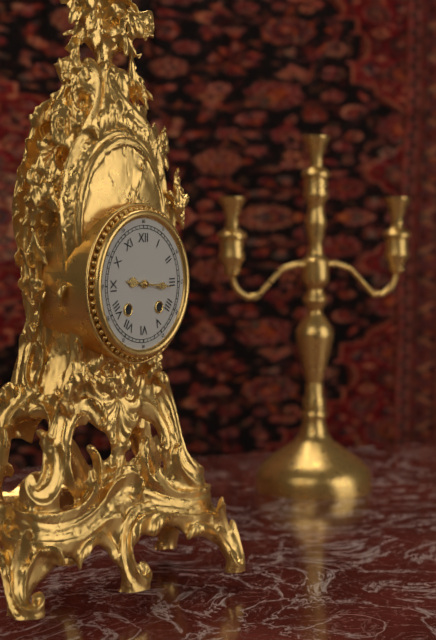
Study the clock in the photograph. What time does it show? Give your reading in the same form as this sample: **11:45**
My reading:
**9:16**
